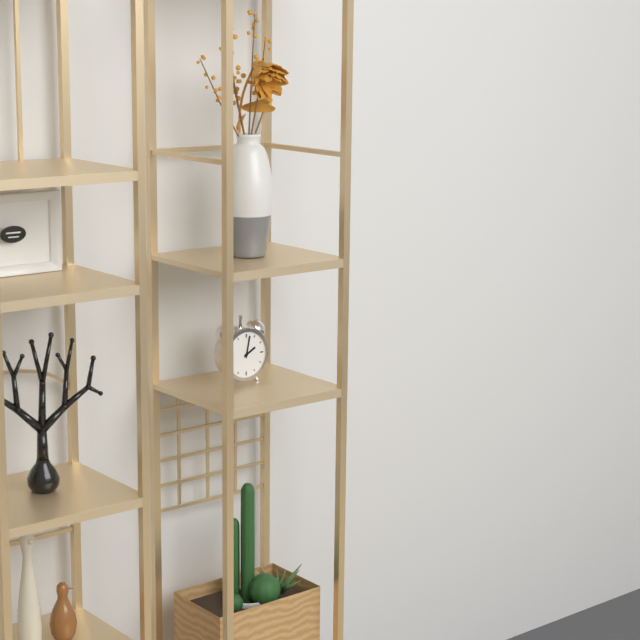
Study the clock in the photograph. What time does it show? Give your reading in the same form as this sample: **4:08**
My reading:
**2:02**
